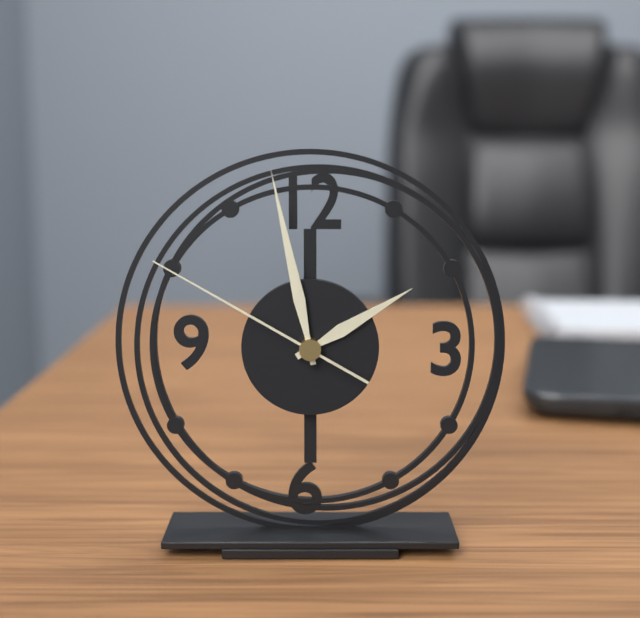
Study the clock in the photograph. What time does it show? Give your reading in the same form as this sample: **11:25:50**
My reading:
**1:58:50**
